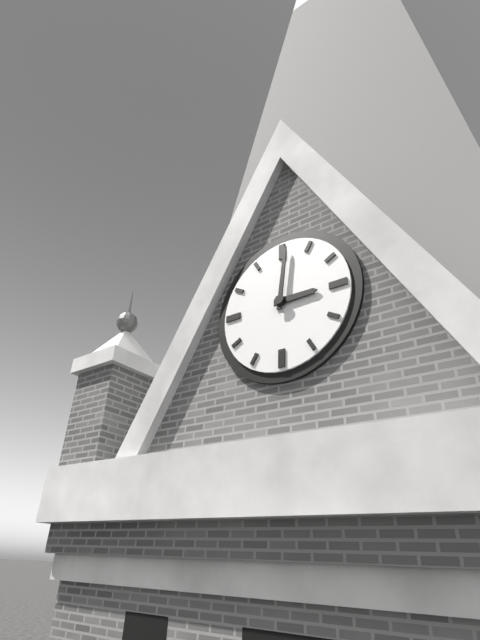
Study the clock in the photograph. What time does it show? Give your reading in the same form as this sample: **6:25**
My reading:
**3:01**
